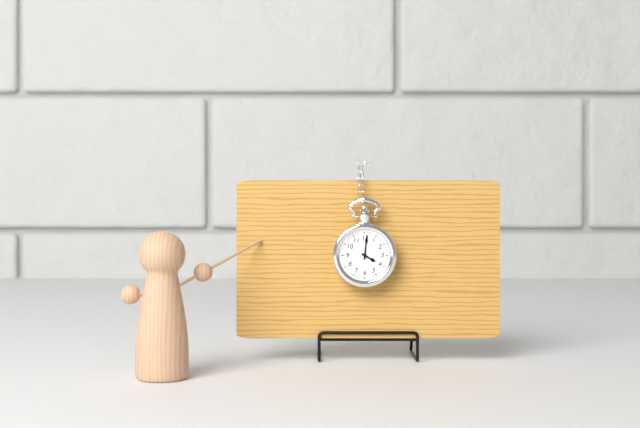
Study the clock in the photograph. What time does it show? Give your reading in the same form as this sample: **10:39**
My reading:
**4:01**
